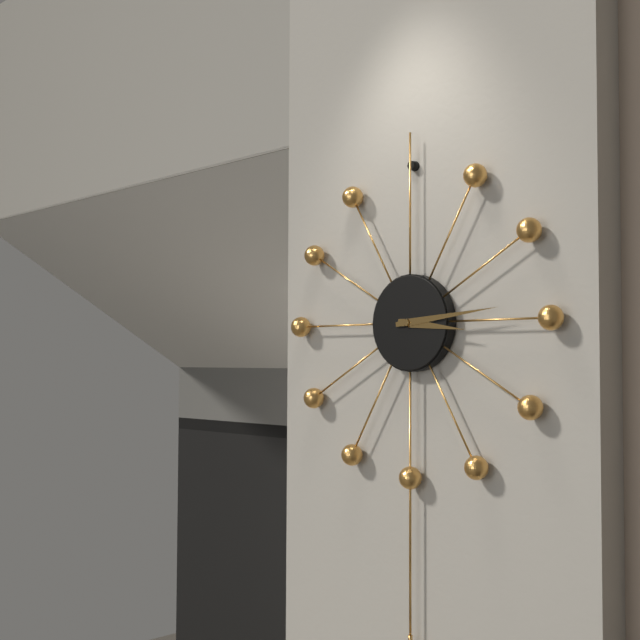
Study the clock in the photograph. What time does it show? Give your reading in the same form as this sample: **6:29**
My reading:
**3:14**
